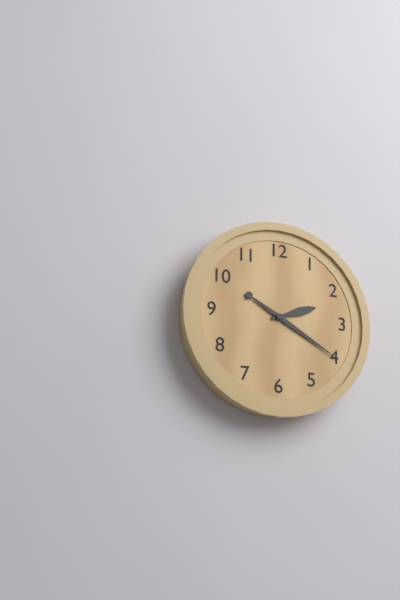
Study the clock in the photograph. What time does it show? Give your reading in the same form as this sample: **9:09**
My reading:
**2:20**
